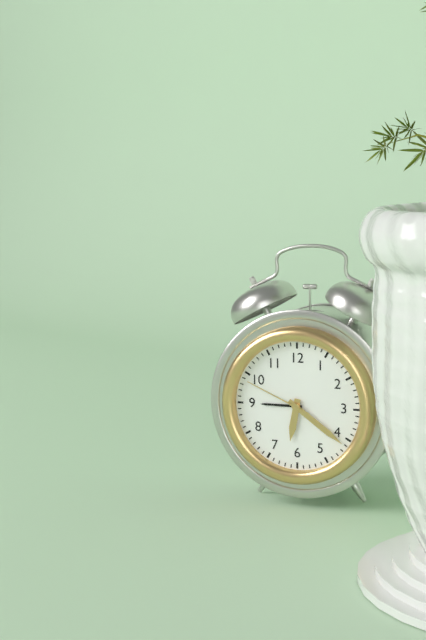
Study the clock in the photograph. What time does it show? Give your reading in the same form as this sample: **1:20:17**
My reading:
**6:21:49**
